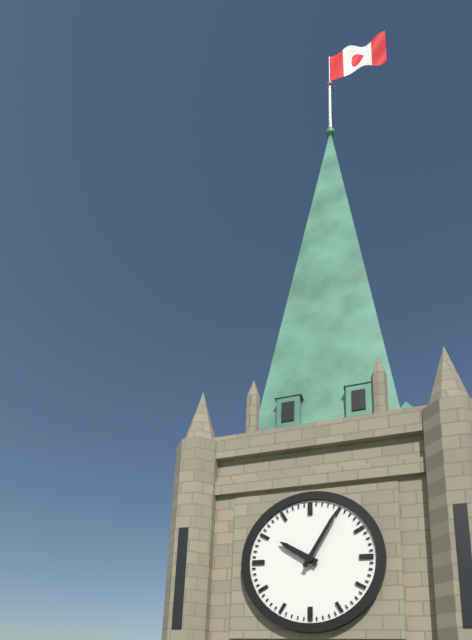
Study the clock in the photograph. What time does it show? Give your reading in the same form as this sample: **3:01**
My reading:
**10:05**
